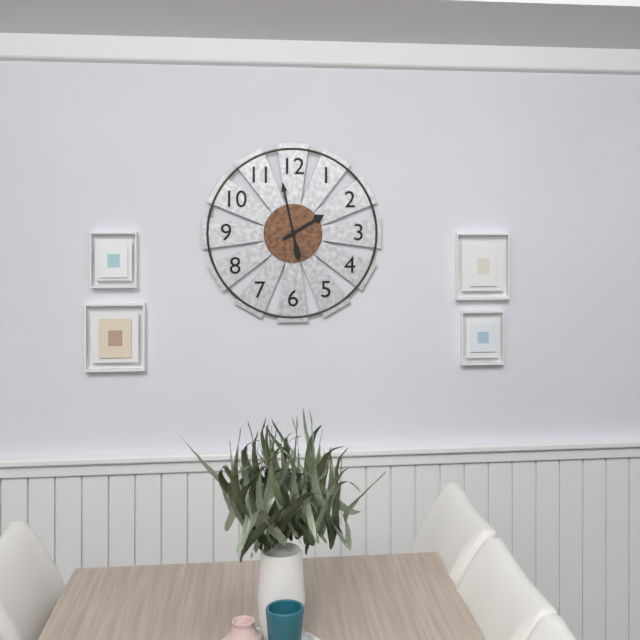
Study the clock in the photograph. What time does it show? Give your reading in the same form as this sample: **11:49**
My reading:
**1:58**
